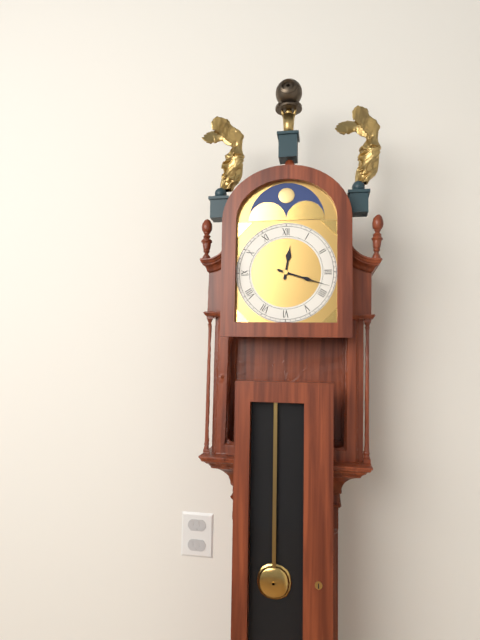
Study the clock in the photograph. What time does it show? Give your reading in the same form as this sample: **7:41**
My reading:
**12:18**
